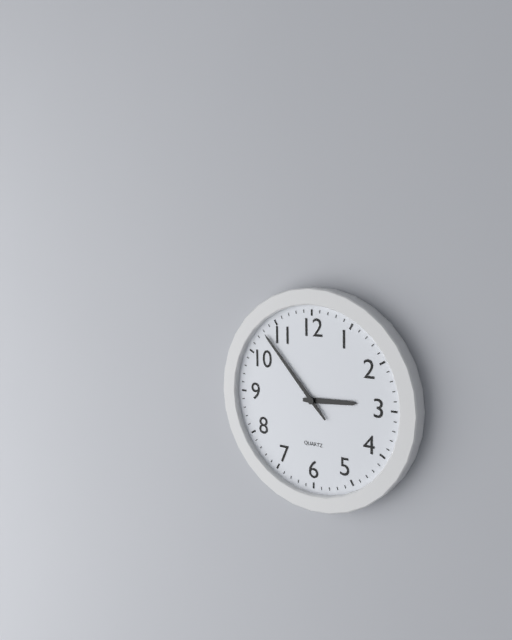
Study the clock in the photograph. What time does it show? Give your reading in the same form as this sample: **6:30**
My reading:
**2:53**
